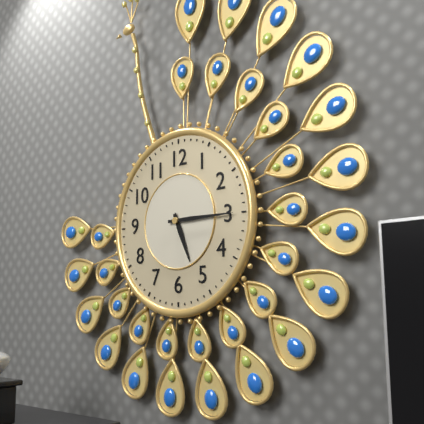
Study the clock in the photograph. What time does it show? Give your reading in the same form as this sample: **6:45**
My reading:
**5:15**
